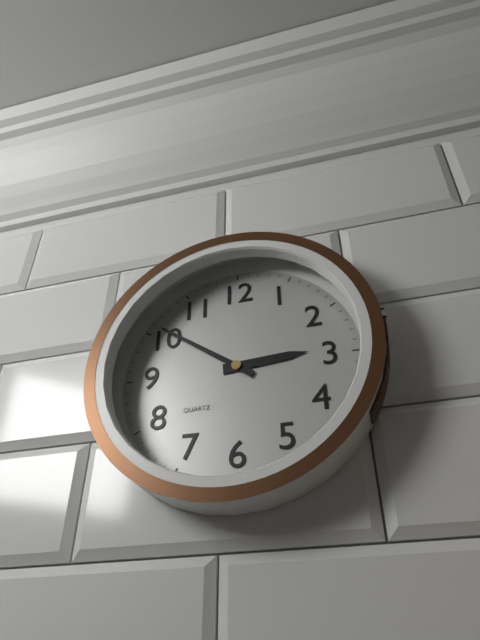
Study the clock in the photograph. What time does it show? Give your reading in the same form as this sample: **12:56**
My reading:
**2:51**
